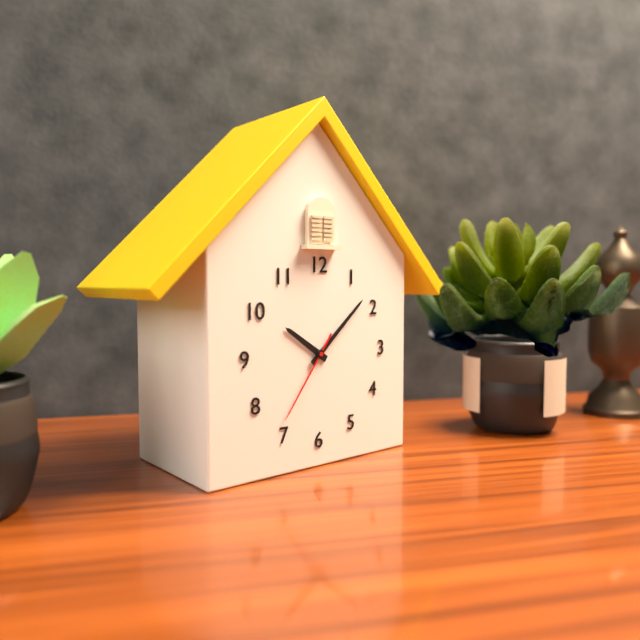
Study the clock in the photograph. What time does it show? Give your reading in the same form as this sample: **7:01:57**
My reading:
**10:08:36**
